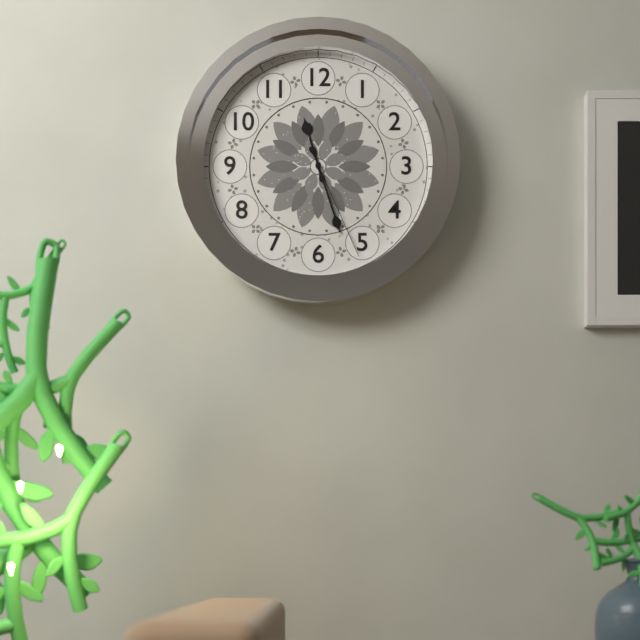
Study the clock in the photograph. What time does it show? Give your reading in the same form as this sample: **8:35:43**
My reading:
**11:27:26**
